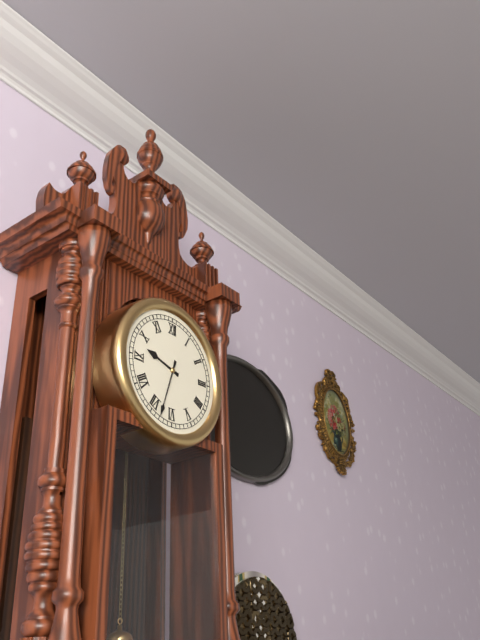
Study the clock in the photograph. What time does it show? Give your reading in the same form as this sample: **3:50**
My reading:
**9:33**
